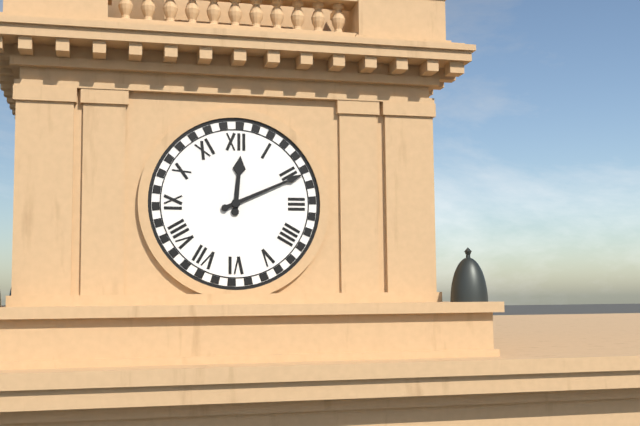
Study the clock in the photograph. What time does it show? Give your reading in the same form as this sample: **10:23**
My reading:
**12:11**
